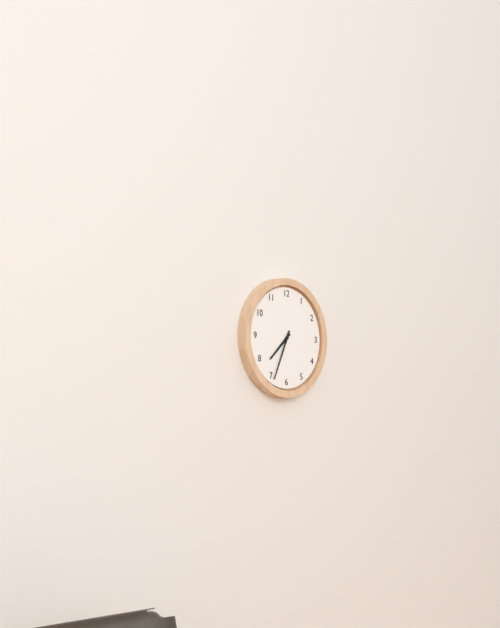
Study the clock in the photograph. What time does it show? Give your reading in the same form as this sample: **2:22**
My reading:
**7:34**
